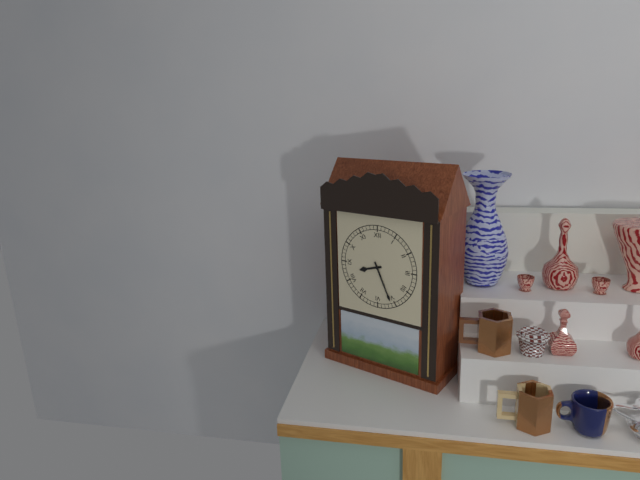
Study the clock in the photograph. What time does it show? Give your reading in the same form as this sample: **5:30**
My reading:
**8:26**
